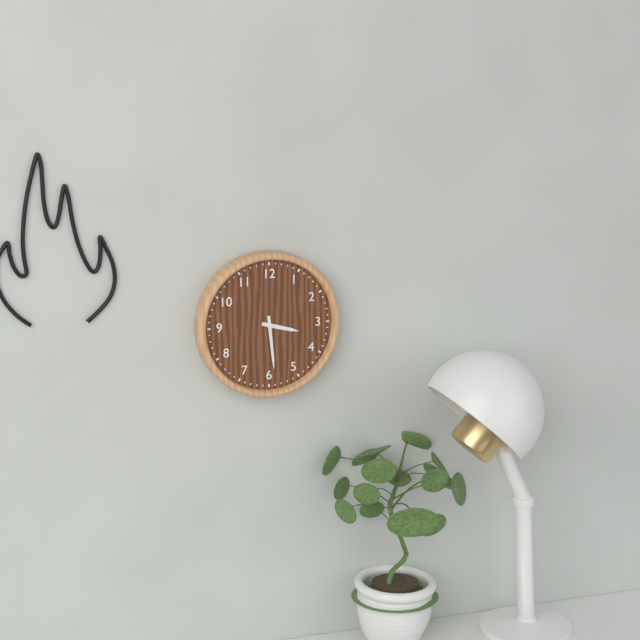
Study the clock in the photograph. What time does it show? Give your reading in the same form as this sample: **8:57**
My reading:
**3:29**
